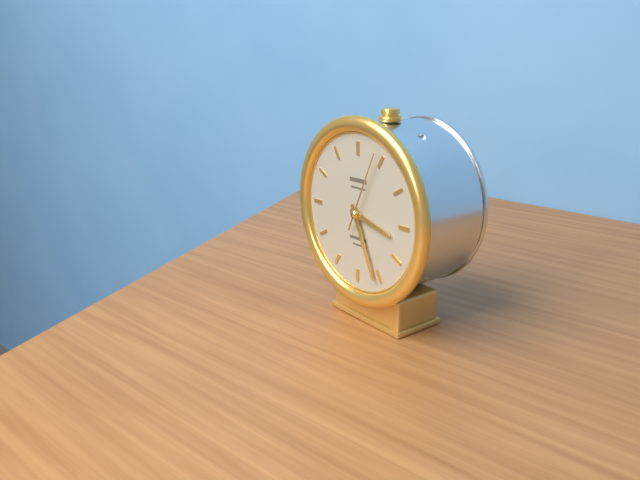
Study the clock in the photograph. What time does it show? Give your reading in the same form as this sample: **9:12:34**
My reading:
**3:26:04**
